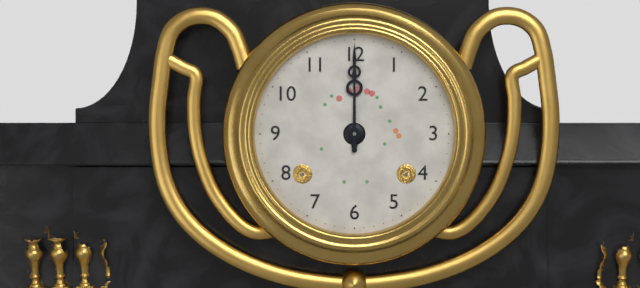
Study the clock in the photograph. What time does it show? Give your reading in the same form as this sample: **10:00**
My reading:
**12:00**
